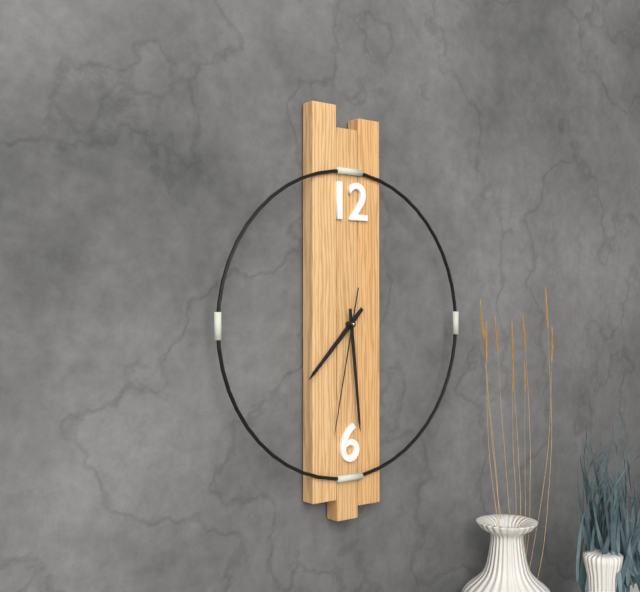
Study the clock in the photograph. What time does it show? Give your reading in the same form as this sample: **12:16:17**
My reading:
**7:29:32**
